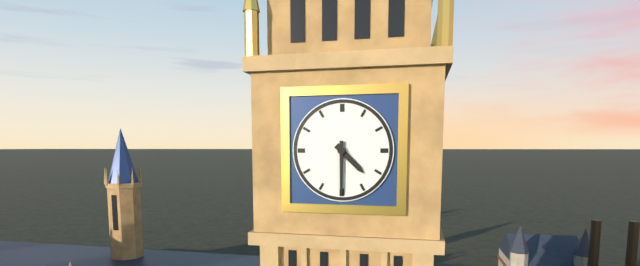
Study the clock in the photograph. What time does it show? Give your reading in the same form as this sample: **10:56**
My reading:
**4:30**
